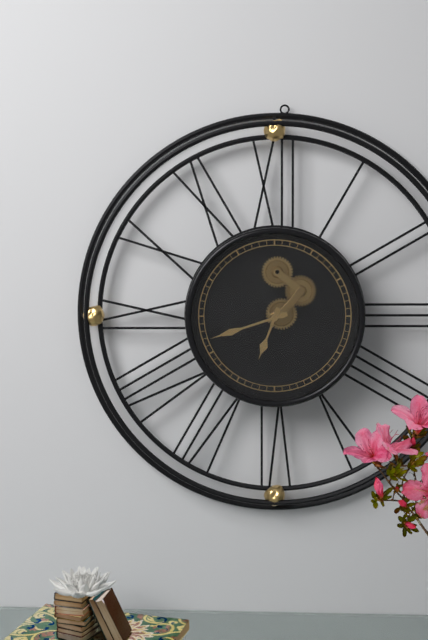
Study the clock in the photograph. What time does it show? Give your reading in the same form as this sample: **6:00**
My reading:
**6:42**
